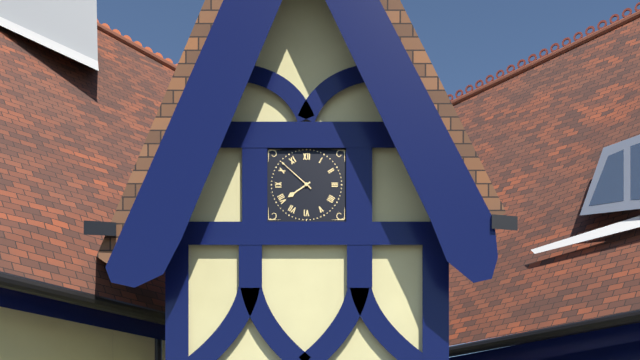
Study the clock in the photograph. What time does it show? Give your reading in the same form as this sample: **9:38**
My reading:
**7:52**
